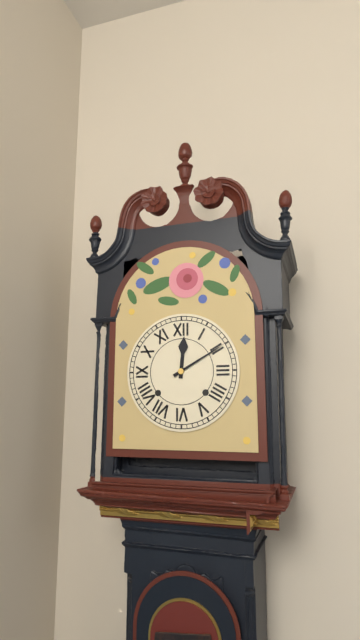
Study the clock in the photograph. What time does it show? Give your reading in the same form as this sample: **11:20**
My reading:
**12:10**
